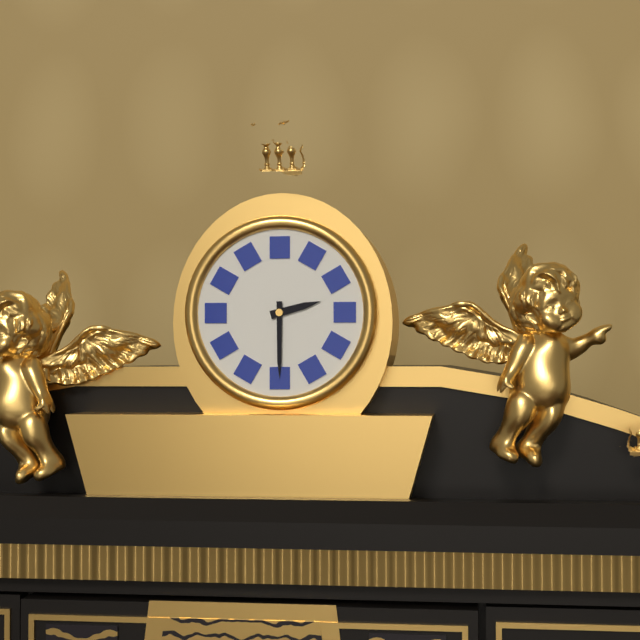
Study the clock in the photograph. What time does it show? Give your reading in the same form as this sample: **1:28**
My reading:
**2:30**
